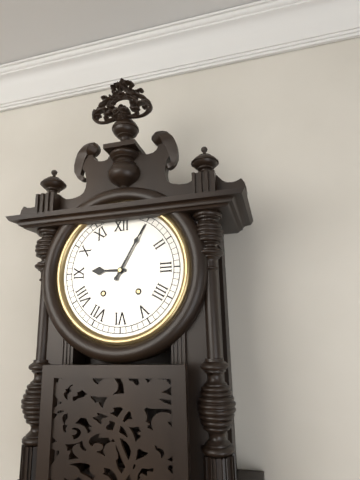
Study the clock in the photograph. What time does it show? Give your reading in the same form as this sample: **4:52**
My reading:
**9:05**
